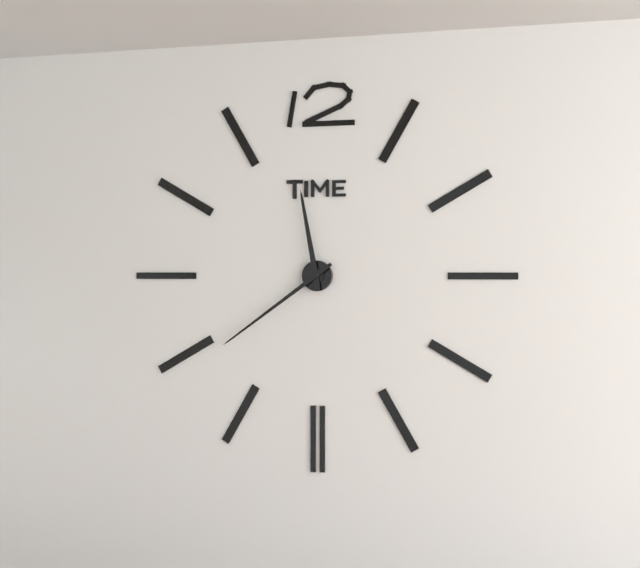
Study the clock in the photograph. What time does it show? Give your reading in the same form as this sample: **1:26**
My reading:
**11:39**
